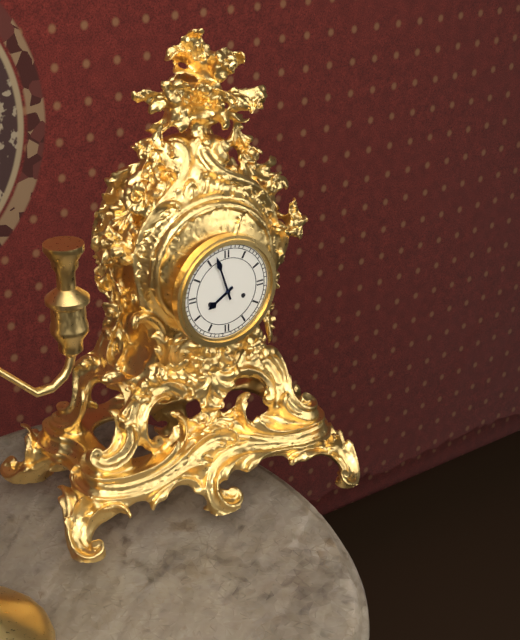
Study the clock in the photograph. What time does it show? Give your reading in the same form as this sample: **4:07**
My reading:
**7:57**
